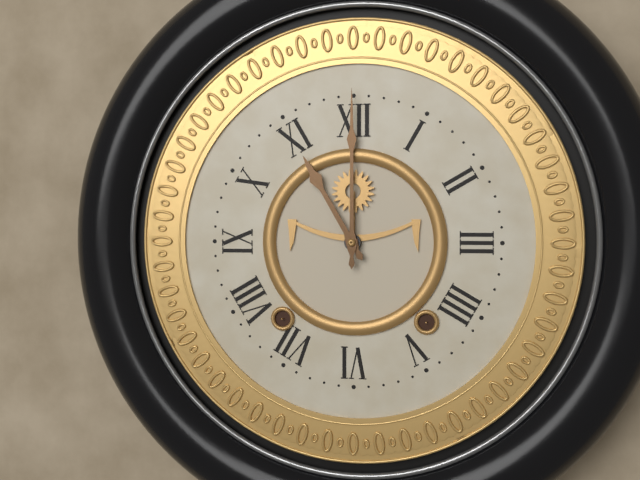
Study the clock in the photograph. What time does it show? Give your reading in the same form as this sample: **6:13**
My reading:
**11:00**
